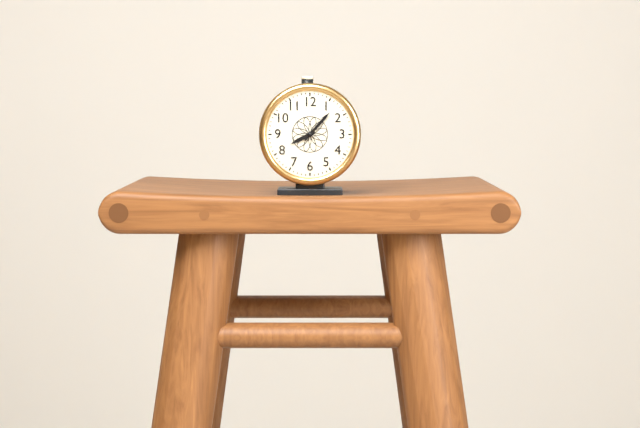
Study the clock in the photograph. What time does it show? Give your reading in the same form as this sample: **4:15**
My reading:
**8:07**
